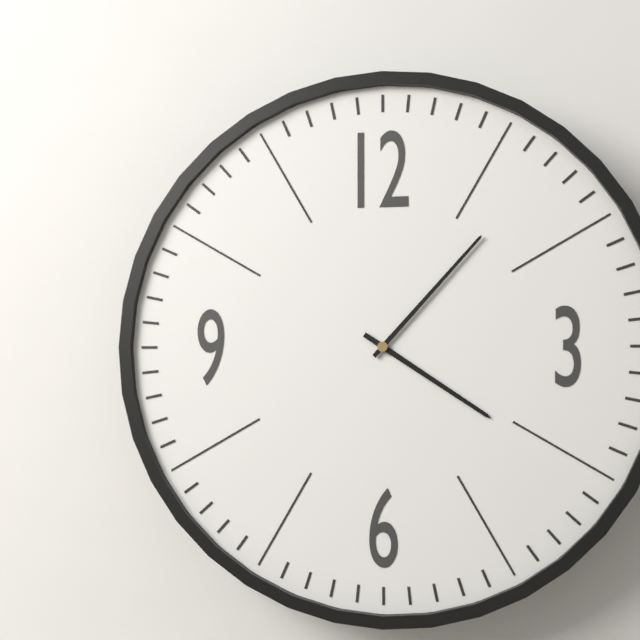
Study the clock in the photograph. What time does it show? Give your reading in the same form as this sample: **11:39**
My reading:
**4:07**
